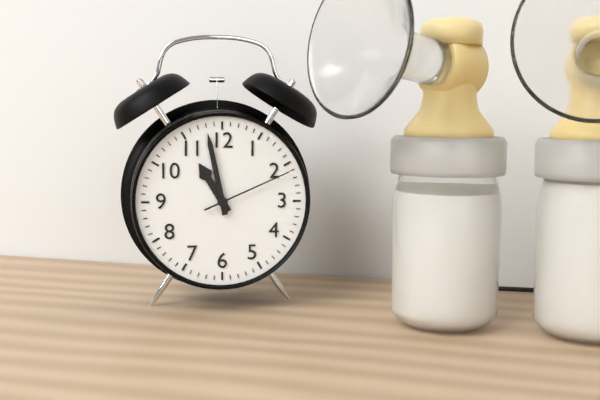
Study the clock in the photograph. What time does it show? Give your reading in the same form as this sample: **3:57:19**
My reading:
**10:58:11**
